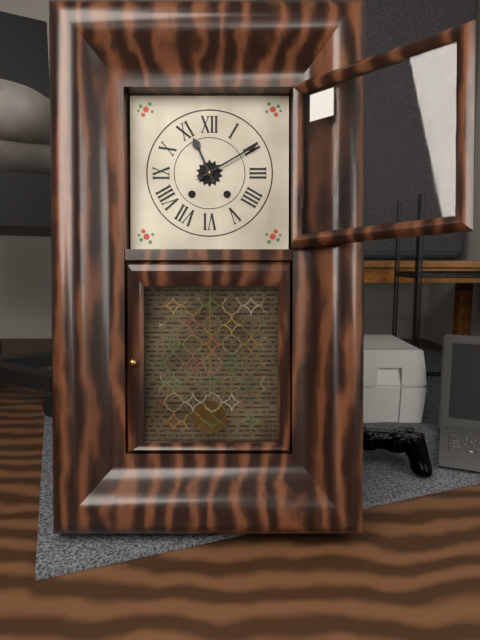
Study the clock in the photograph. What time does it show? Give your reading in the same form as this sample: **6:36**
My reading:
**11:10**
